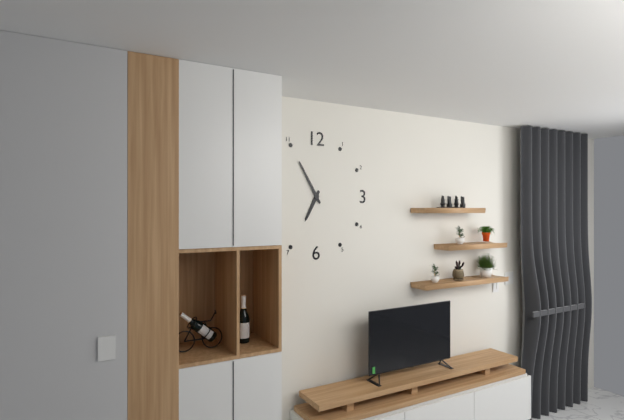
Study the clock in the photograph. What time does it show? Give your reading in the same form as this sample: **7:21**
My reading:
**6:55**
